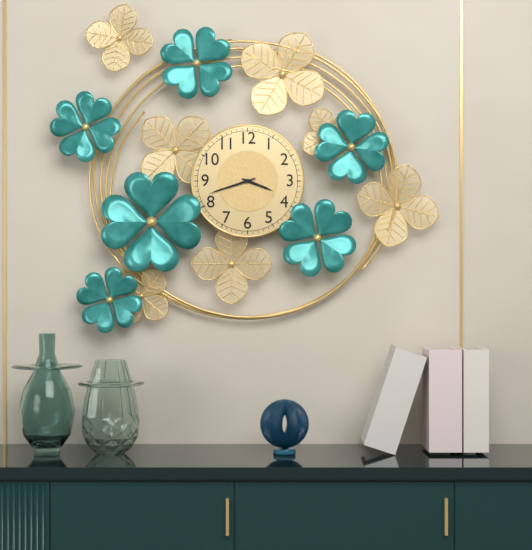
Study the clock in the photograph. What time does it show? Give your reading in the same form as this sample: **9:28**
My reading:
**3:42**
